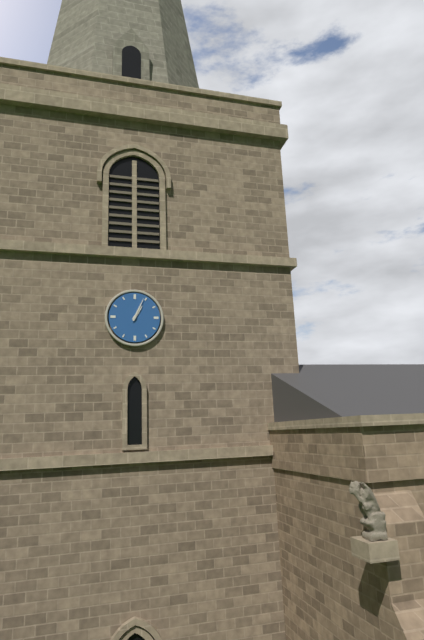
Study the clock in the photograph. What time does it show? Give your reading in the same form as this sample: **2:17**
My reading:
**1:04**
